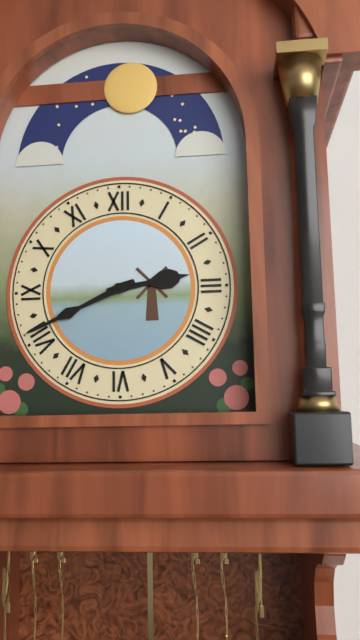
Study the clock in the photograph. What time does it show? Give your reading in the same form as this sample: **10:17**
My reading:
**2:41**
